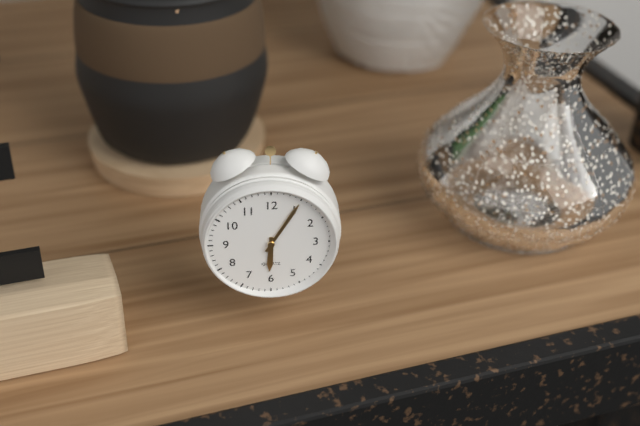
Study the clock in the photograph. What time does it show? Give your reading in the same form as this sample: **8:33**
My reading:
**6:05**
